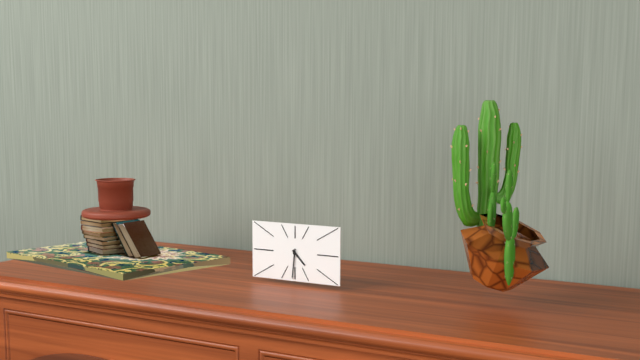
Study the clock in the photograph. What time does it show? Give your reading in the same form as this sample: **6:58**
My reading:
**4:31**
